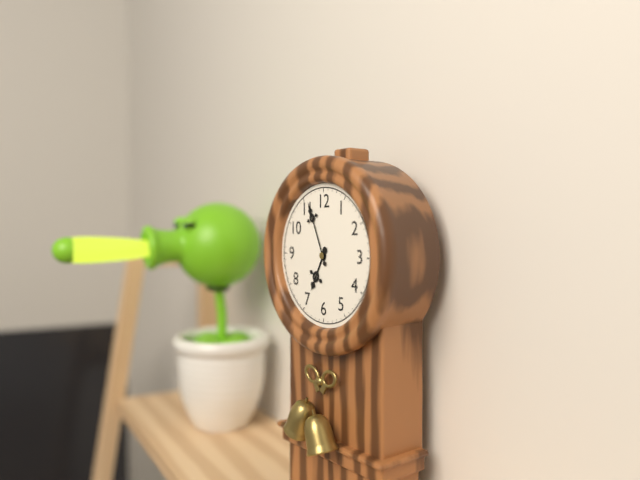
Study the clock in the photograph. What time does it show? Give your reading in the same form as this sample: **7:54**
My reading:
**6:56**
